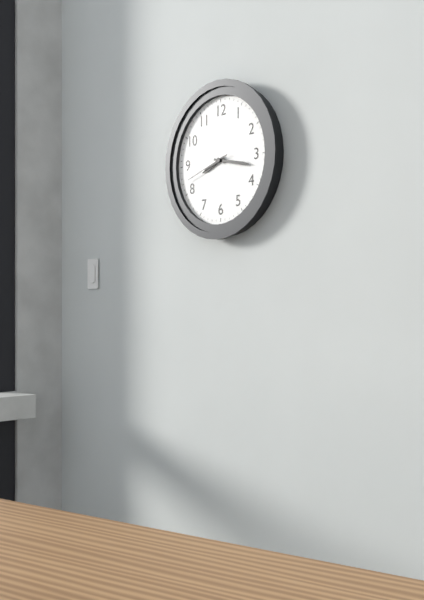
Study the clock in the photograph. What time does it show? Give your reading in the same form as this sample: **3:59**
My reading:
**8:17**
